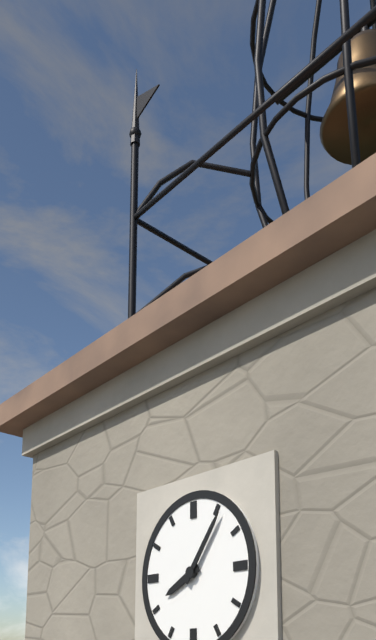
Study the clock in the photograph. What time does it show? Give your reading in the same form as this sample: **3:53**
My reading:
**8:06**
